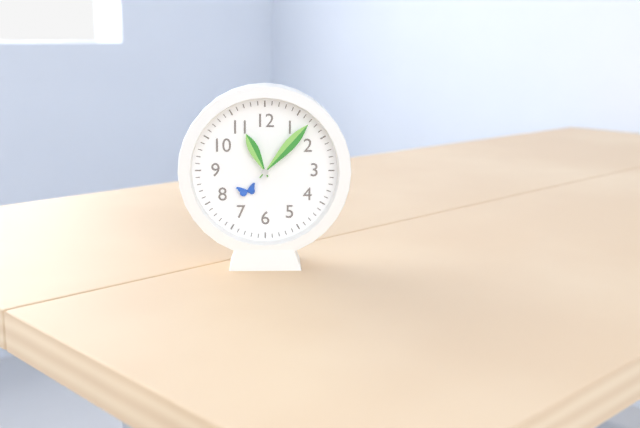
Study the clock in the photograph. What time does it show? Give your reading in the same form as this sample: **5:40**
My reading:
**11:07**
